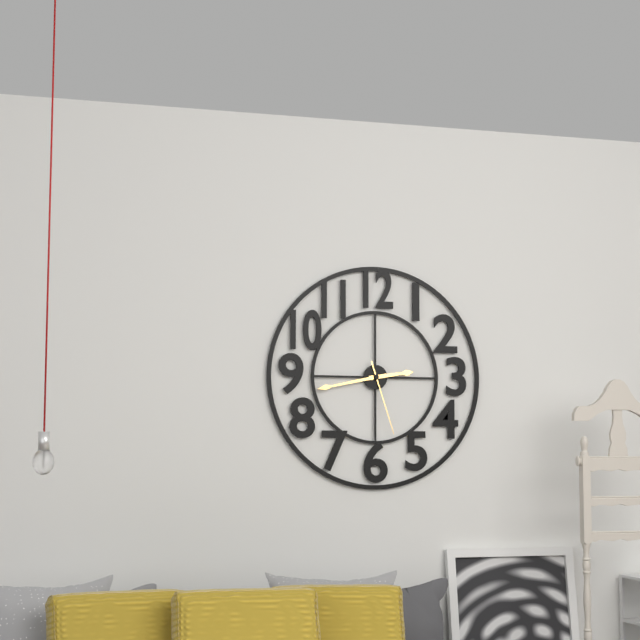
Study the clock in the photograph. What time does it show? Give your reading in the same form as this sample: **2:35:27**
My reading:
**2:43:27**
